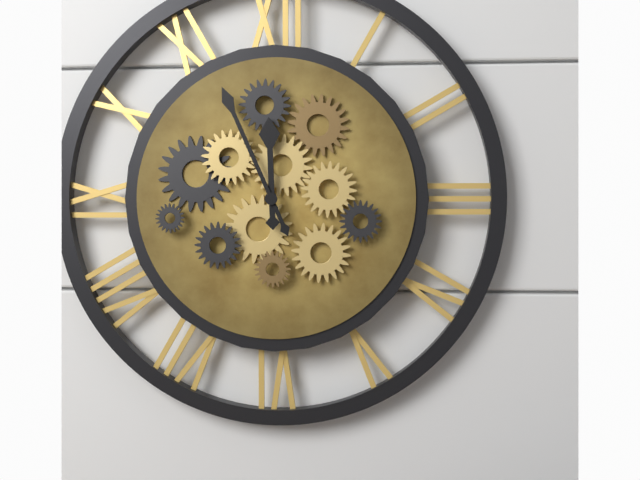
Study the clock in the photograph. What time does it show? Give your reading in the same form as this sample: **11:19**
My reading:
**11:56**
